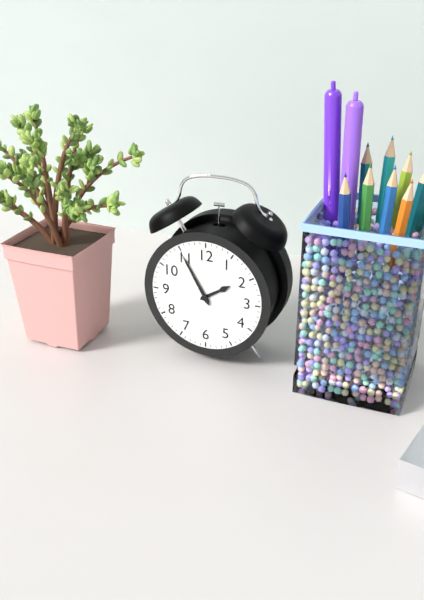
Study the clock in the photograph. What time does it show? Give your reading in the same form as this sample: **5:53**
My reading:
**1:55**
